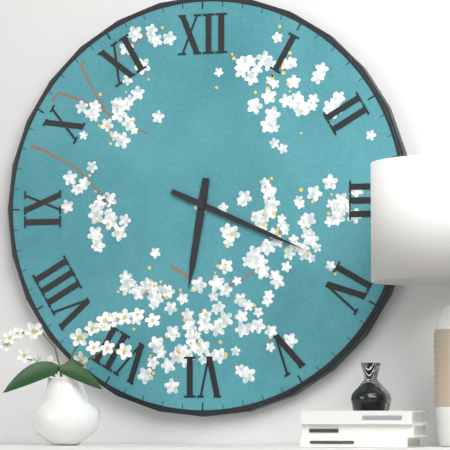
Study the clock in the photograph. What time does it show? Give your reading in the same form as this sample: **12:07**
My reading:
**6:19**
